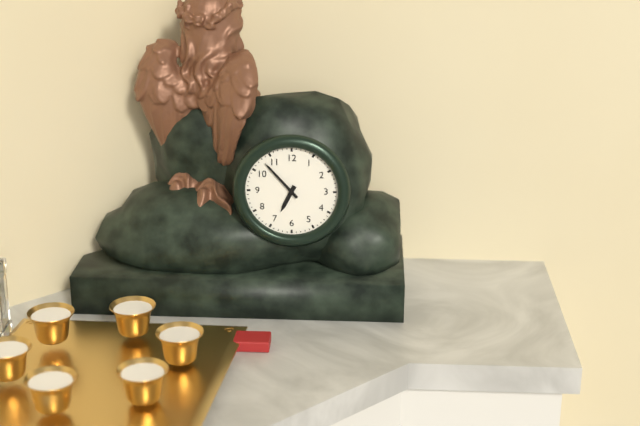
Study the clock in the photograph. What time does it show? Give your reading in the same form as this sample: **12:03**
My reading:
**6:53**
